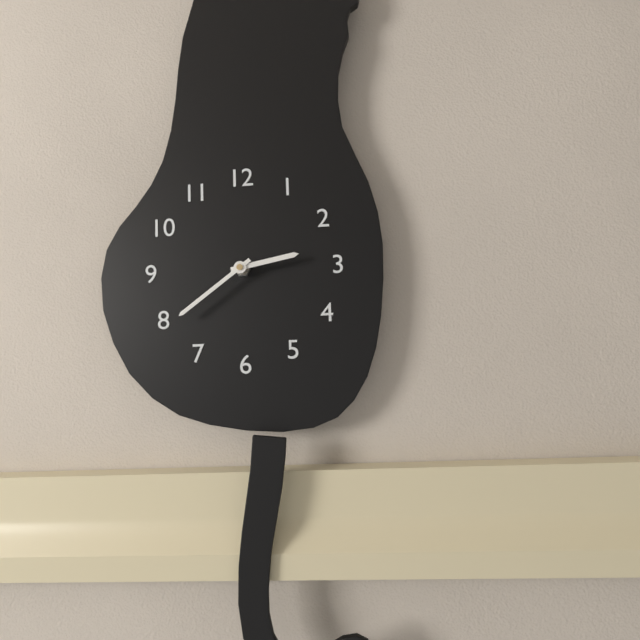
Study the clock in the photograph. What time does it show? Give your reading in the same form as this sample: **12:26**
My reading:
**2:39**
